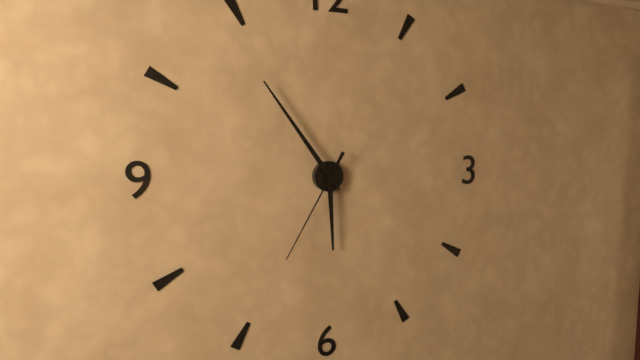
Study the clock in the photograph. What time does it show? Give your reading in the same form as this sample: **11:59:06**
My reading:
**5:54:35**
